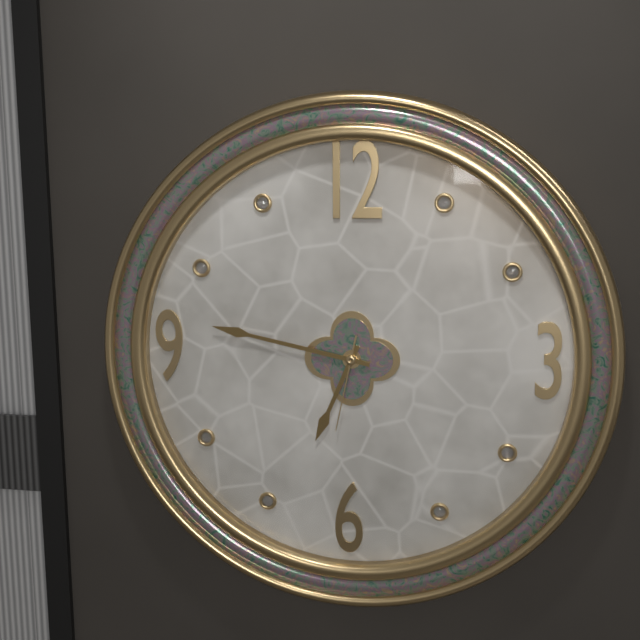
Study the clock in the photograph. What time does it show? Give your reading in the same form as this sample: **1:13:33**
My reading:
**6:47:32**
